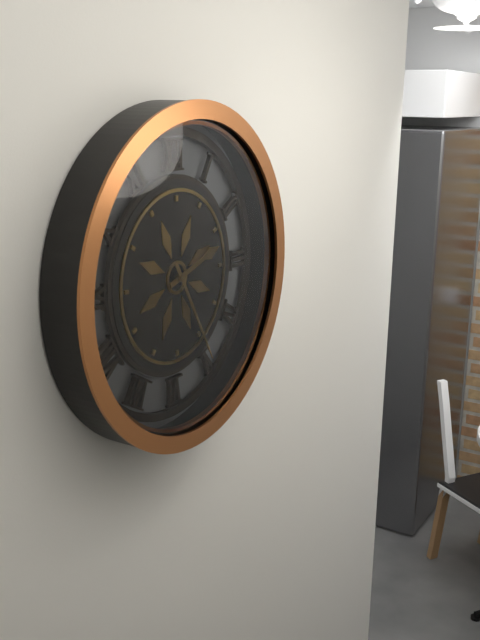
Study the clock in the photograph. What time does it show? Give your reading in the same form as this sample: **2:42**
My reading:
**2:25**
